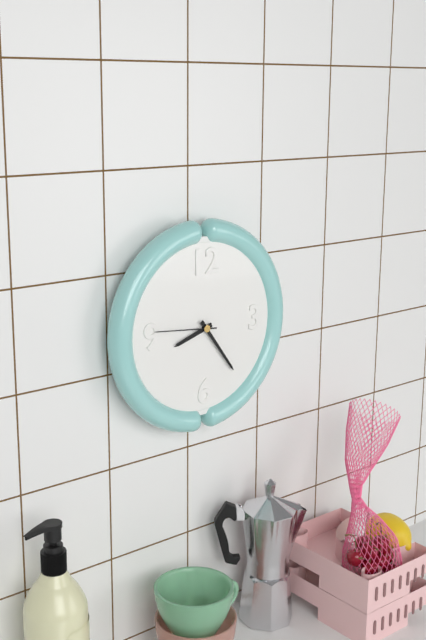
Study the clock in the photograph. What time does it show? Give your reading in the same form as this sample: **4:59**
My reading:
**8:24**
